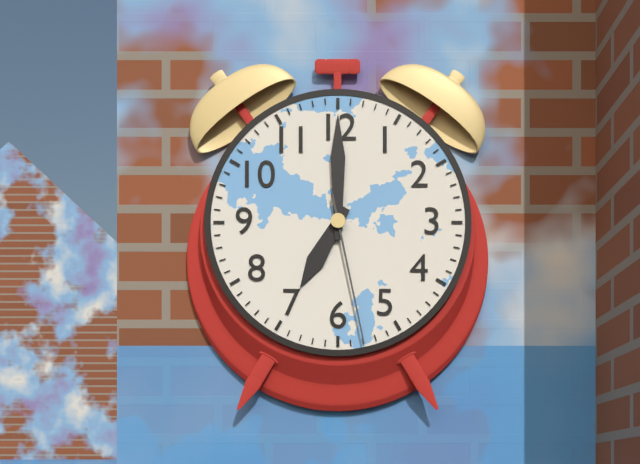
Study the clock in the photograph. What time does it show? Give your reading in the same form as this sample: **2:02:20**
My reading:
**7:00:28**
